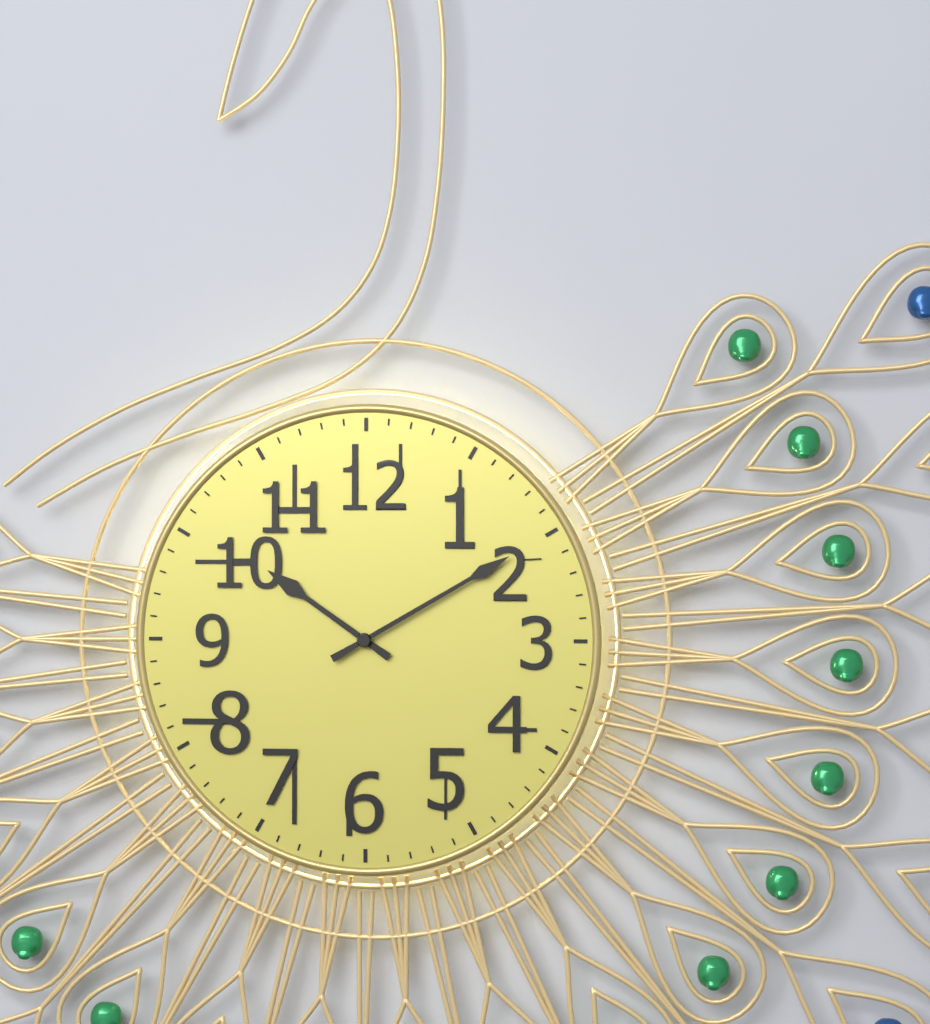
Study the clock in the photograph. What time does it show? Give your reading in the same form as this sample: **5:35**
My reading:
**10:10**
